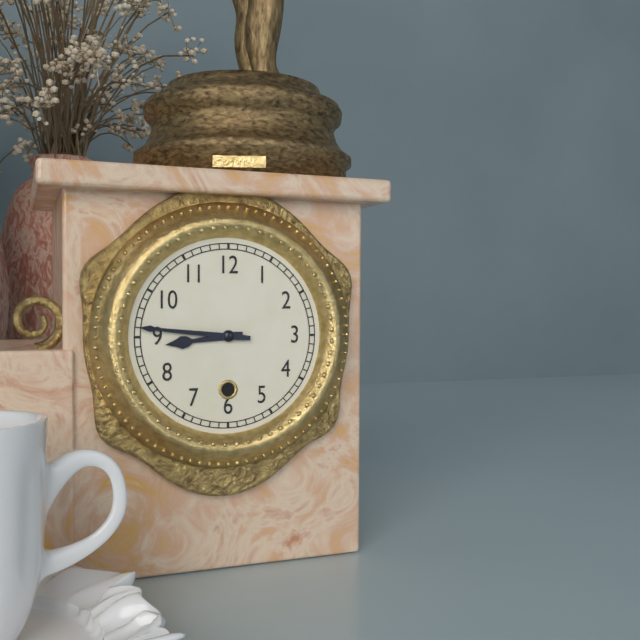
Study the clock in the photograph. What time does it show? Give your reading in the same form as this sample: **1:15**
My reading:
**8:46**
